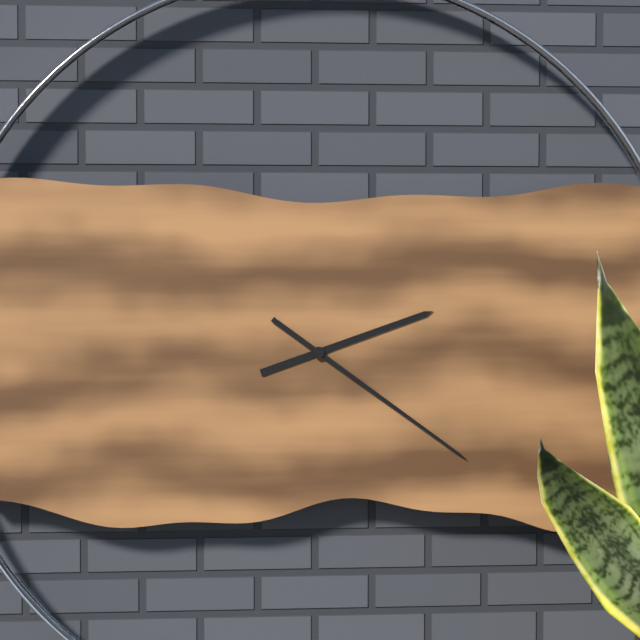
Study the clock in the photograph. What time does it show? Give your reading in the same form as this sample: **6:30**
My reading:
**2:21**
